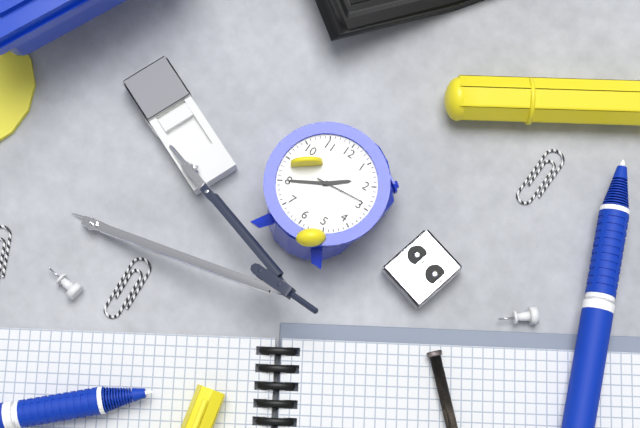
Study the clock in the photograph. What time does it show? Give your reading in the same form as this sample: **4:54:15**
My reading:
**1:40:14**
